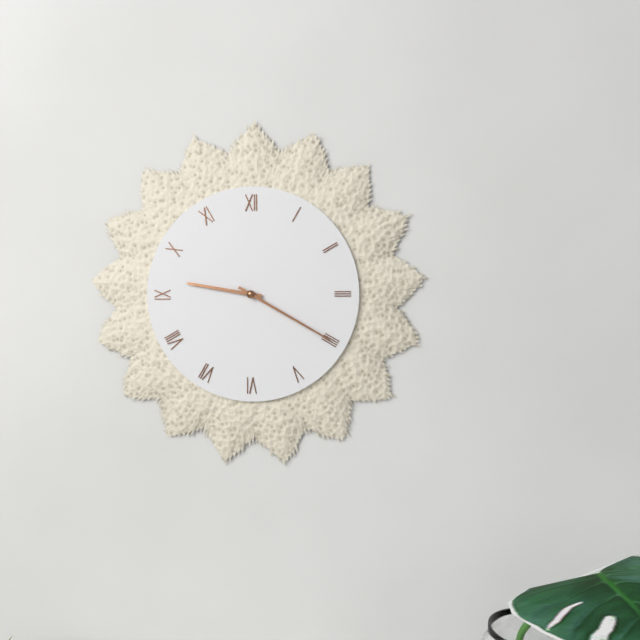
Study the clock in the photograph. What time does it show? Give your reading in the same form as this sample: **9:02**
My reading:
**9:20**
